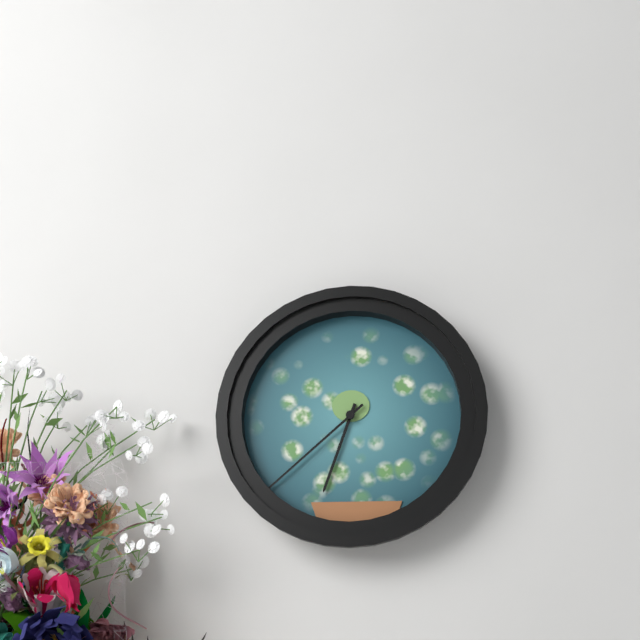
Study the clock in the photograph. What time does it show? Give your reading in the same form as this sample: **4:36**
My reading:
**6:38**
